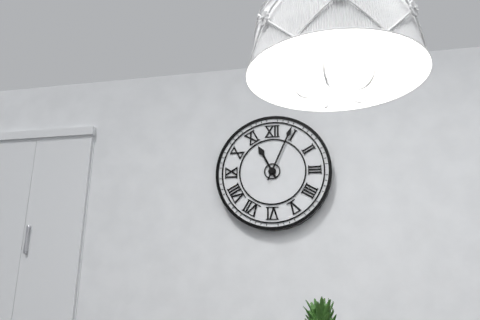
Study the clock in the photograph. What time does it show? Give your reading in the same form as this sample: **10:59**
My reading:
**11:04**
